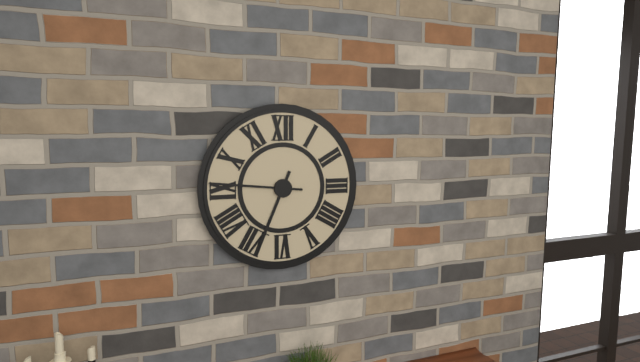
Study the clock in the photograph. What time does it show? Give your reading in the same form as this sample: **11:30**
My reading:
**6:46**
